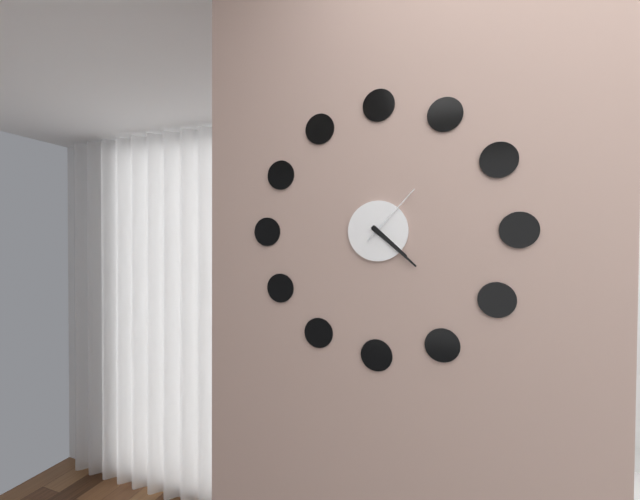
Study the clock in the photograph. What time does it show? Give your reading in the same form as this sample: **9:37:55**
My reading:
**4:22:07**
